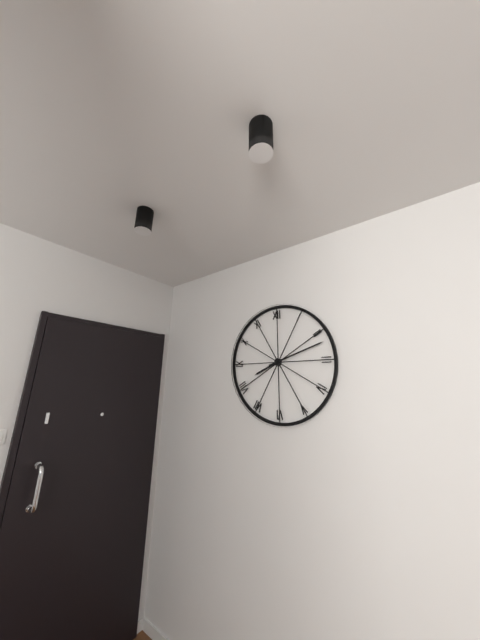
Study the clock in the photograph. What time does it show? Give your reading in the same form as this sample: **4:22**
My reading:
**8:12**
